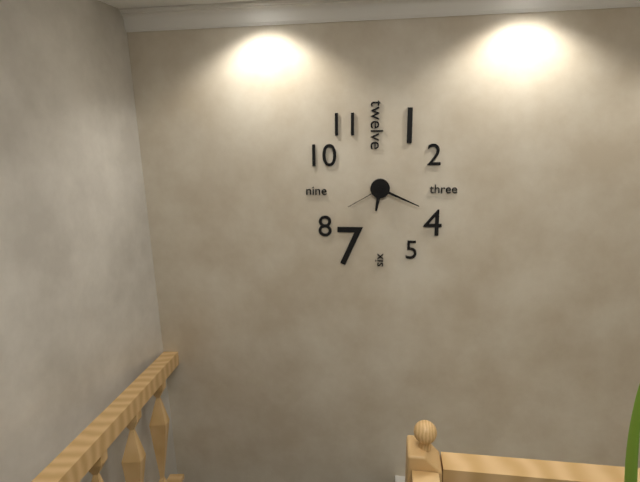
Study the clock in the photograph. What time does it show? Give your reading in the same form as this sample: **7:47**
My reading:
**6:19**
